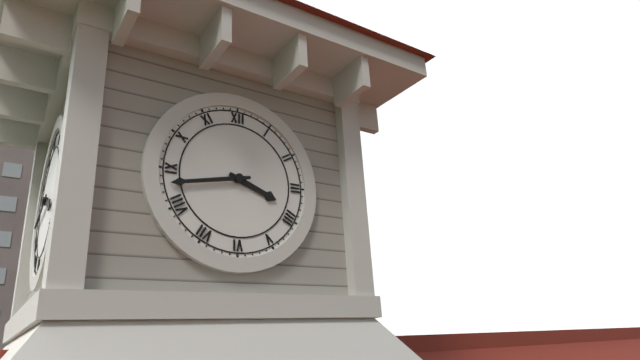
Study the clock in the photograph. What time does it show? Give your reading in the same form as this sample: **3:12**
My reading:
**3:43**
